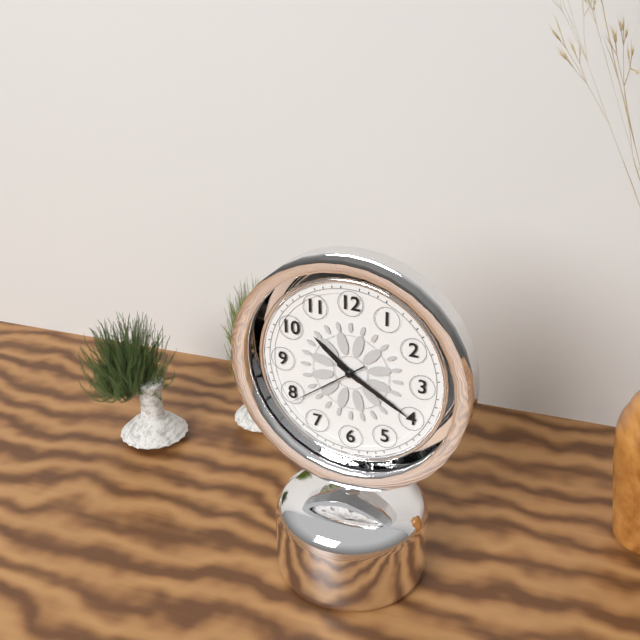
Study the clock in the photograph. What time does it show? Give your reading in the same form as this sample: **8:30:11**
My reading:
**10:20:39**
